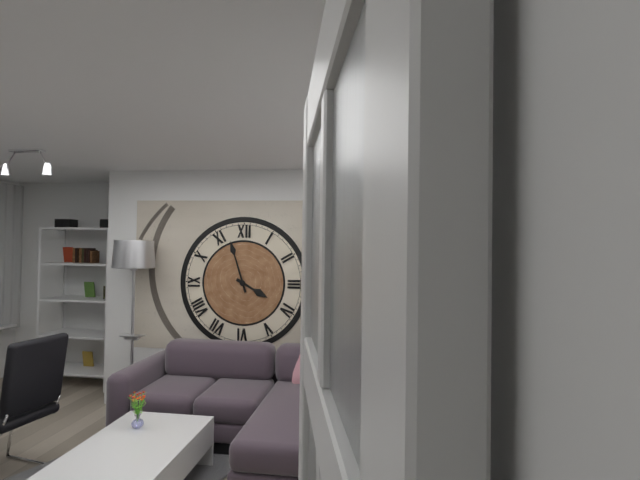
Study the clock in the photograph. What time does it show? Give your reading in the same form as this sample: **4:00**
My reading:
**3:57**
